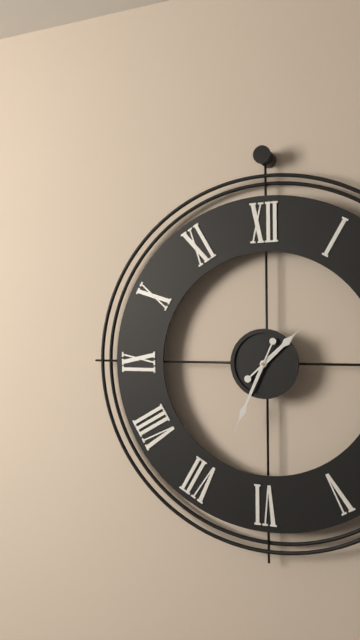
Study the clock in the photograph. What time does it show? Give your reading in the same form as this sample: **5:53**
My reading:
**1:34**
